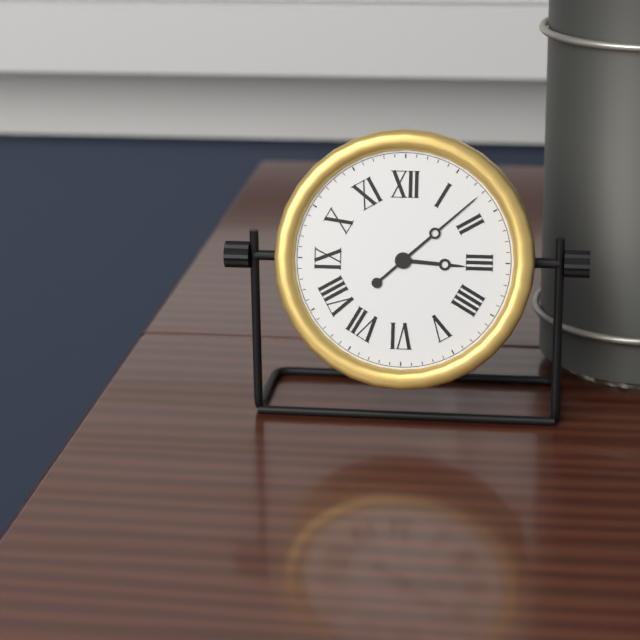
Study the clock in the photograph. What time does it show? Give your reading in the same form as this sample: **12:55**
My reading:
**3:08**
